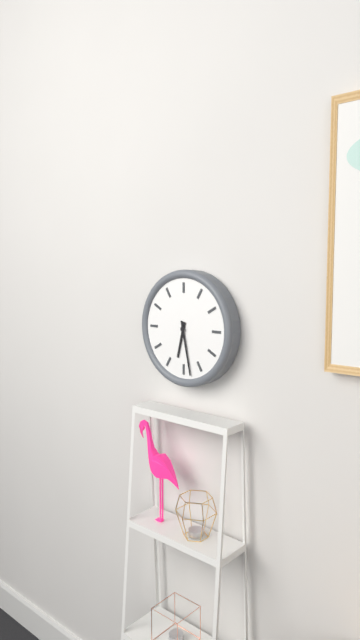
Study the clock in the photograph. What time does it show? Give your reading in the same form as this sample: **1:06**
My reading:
**6:28**
